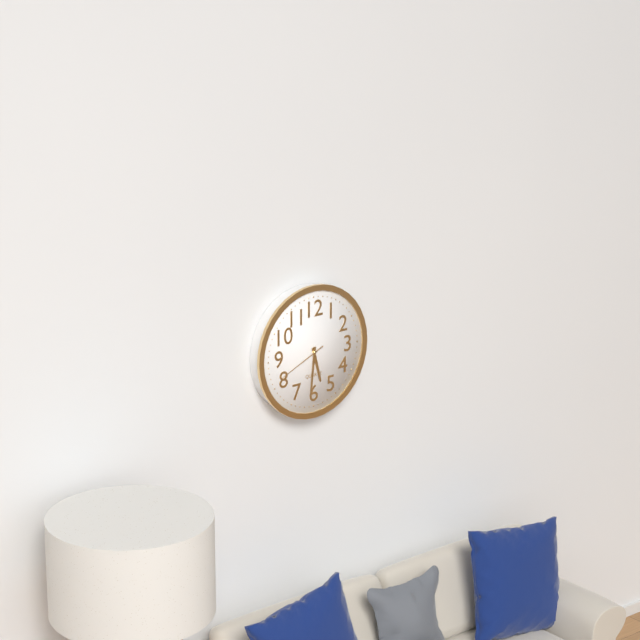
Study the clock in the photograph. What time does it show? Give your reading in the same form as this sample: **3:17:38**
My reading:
**5:31:41**
